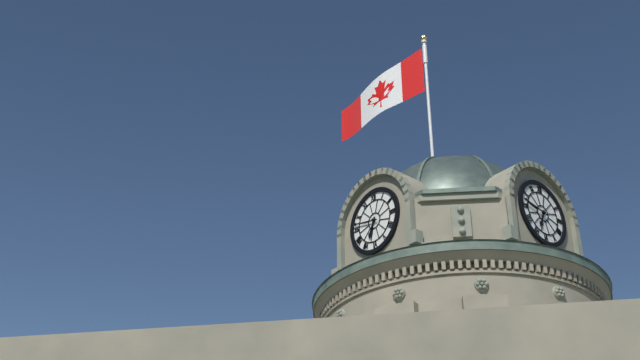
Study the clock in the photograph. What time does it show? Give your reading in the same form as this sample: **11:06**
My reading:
**6:47**
